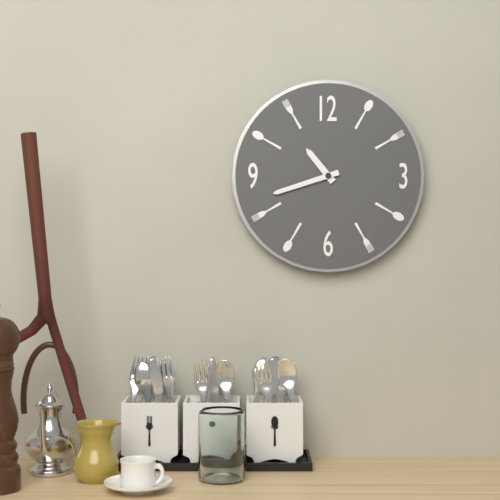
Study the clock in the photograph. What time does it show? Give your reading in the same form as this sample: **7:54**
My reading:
**10:42**
